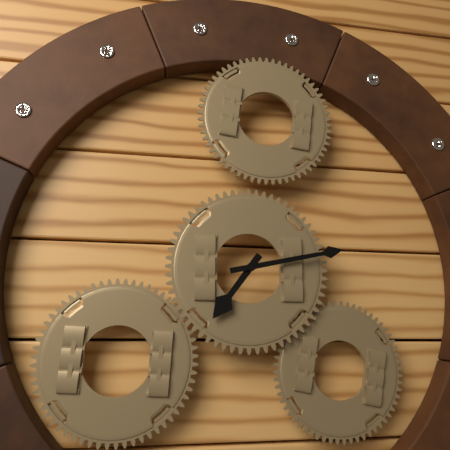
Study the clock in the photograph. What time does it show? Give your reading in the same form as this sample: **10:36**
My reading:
**7:13**
